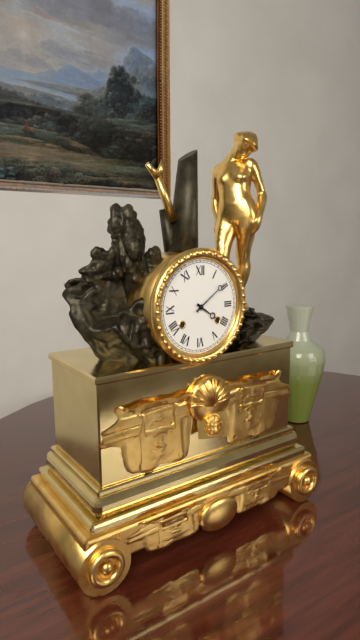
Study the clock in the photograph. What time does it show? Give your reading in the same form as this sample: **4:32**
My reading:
**4:09**
